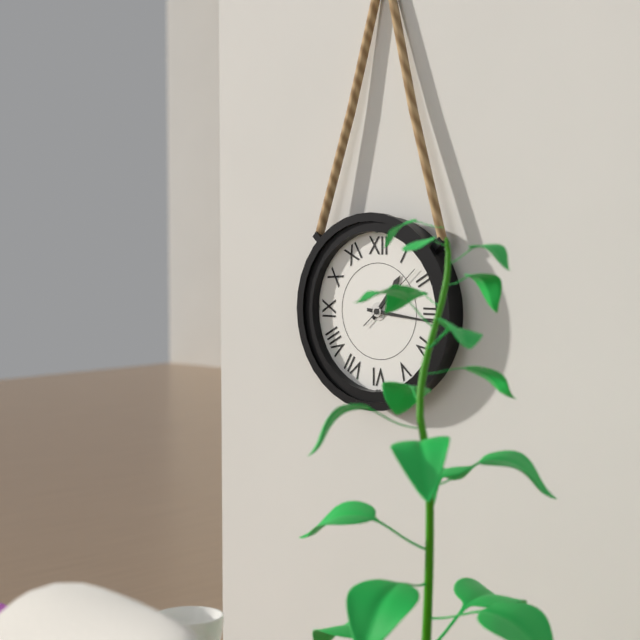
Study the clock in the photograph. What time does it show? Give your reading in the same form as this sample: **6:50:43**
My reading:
**1:16:08**
